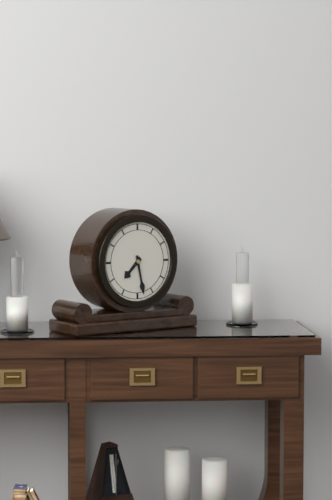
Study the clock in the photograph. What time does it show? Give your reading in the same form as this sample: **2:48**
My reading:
**7:28**
